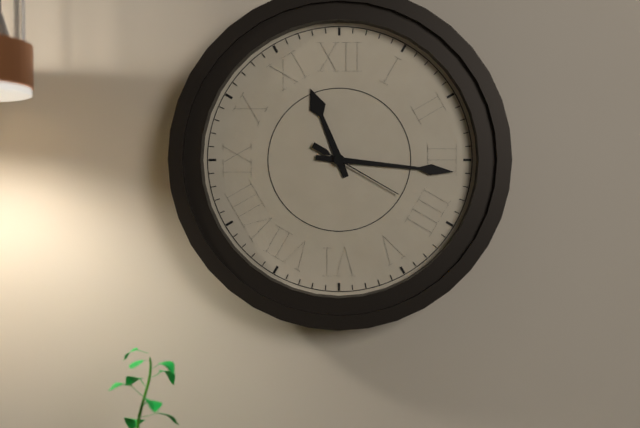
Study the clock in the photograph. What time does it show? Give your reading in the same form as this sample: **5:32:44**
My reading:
**11:16:20**
